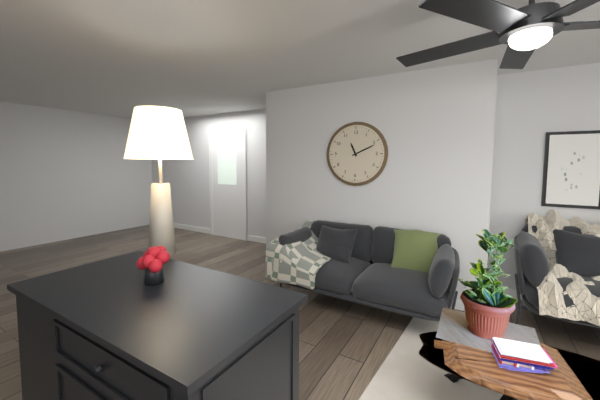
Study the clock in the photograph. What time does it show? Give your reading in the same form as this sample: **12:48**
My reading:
**11:11**
